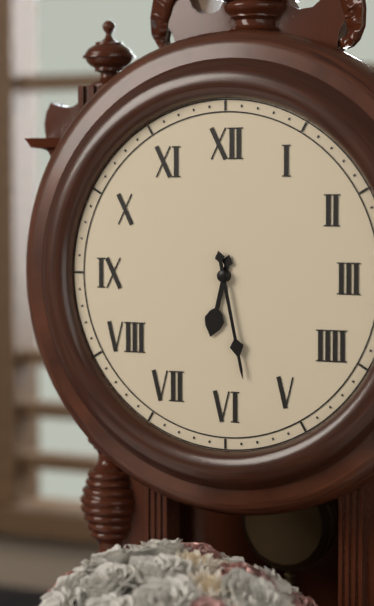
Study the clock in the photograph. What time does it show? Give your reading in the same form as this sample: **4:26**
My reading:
**6:28**
